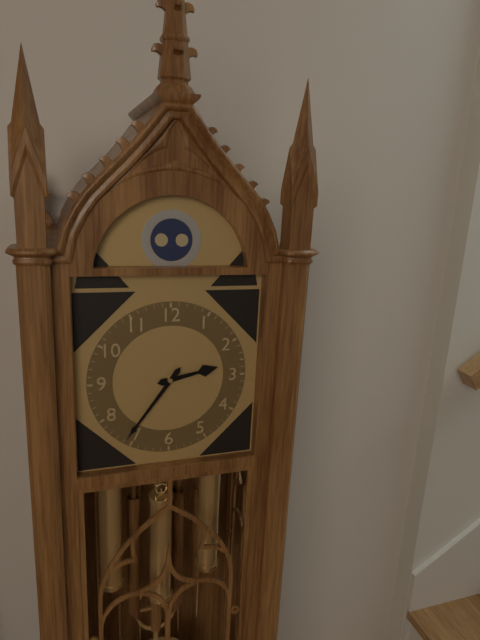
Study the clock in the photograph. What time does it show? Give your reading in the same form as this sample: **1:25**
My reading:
**2:36**
